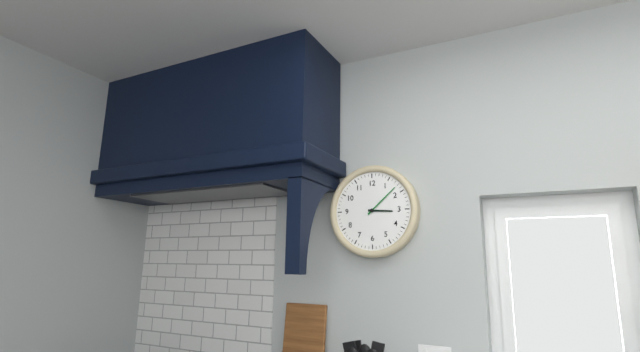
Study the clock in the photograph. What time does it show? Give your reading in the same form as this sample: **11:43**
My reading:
**3:08**
